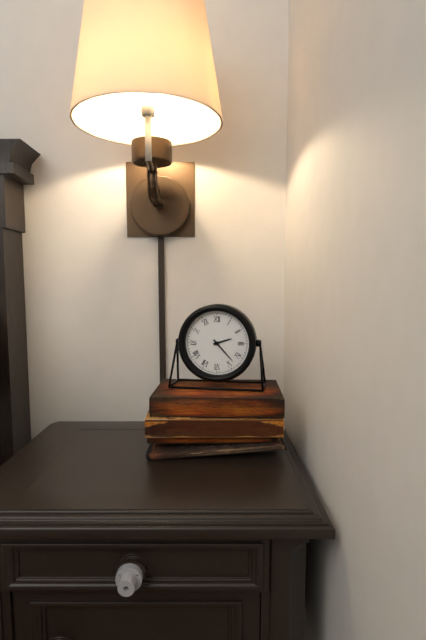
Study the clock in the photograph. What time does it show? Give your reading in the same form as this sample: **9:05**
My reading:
**2:23**
